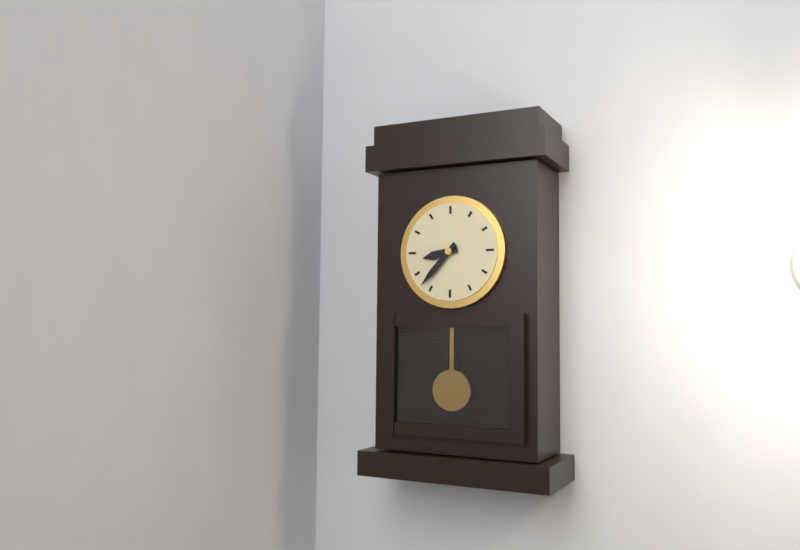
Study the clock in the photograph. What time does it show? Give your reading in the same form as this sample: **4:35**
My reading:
**8:37**
